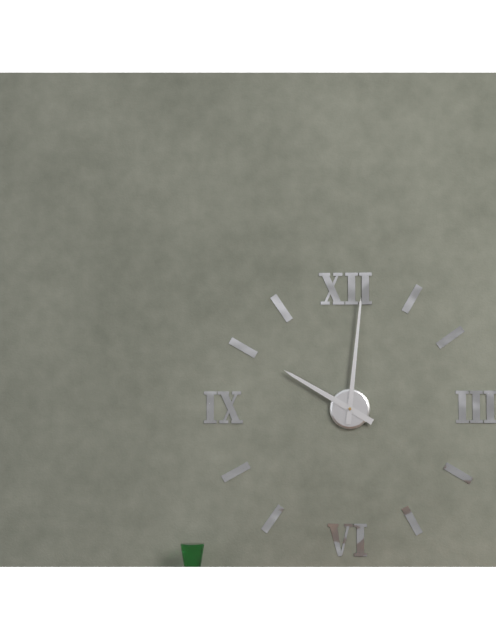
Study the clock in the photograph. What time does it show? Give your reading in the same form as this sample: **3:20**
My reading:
**10:01**
